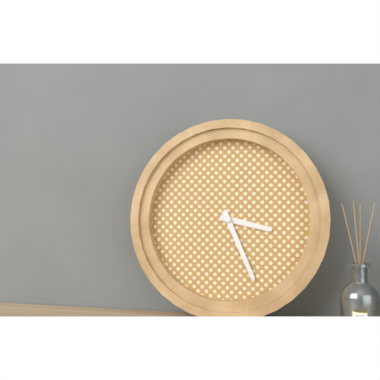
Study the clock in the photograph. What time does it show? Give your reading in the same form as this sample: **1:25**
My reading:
**3:26**
